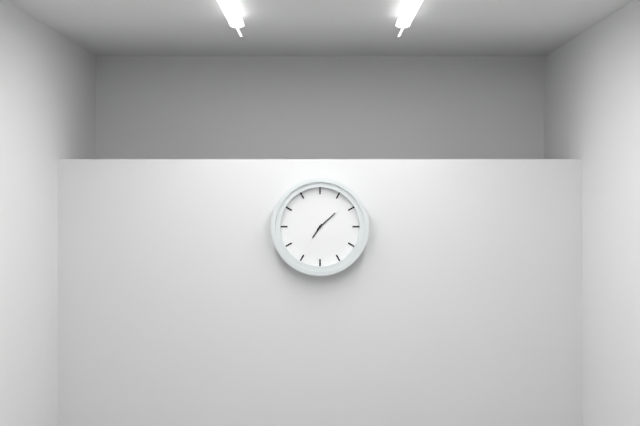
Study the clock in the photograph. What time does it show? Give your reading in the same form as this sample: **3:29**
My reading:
**7:08**
